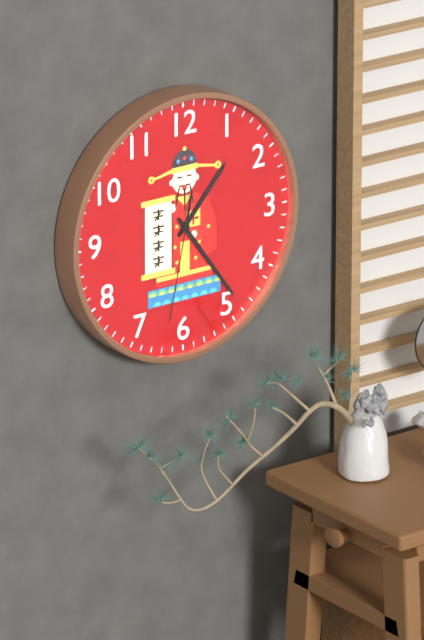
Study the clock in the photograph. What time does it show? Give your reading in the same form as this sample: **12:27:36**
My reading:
**1:24:32**
